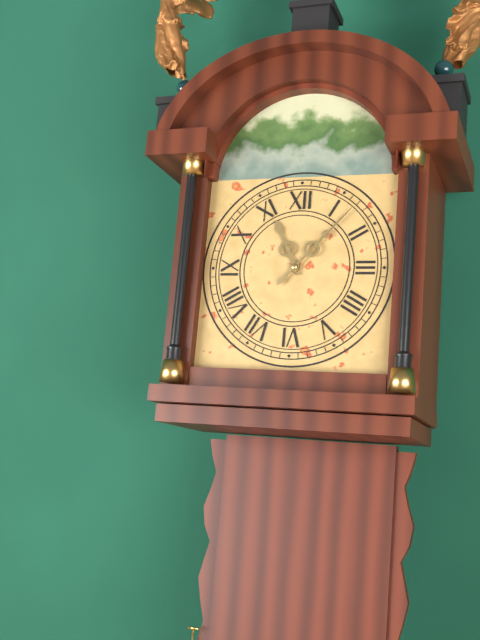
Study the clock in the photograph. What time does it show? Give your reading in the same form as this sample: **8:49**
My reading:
**11:07**
